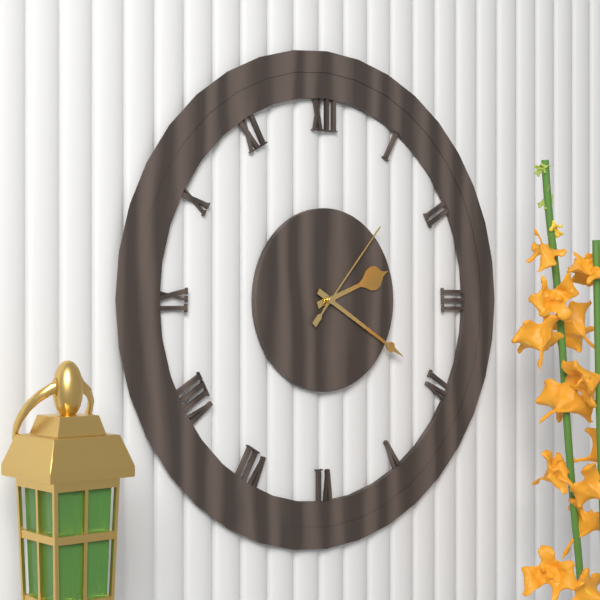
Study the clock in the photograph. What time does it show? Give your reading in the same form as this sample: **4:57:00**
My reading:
**2:20:07**
